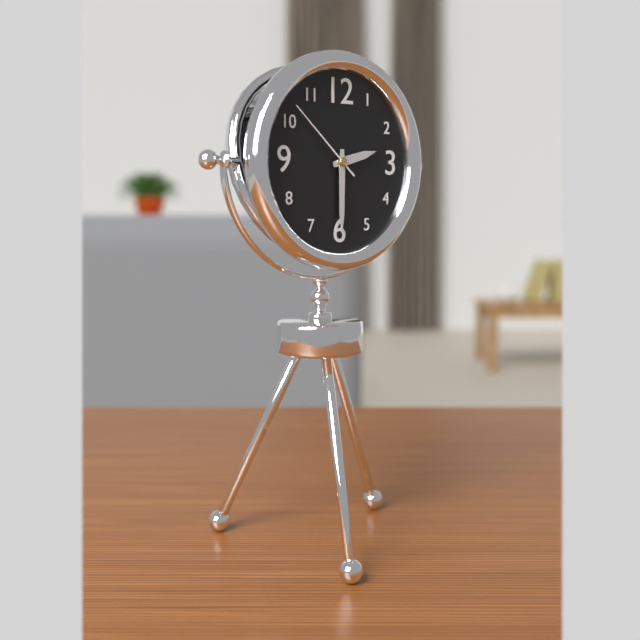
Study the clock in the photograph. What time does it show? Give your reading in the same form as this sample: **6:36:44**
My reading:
**2:30:52**
